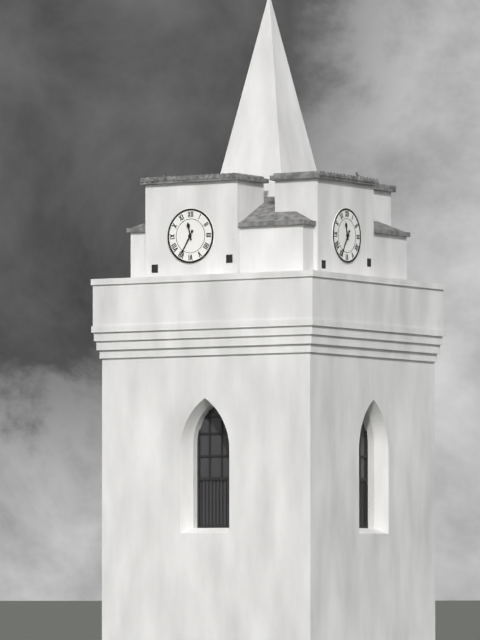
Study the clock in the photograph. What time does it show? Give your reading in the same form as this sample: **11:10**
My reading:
**11:35**
